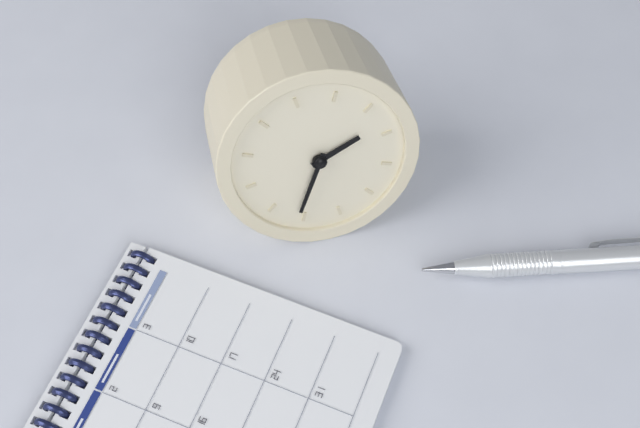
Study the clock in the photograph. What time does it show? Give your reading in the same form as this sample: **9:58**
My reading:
**2:36**
